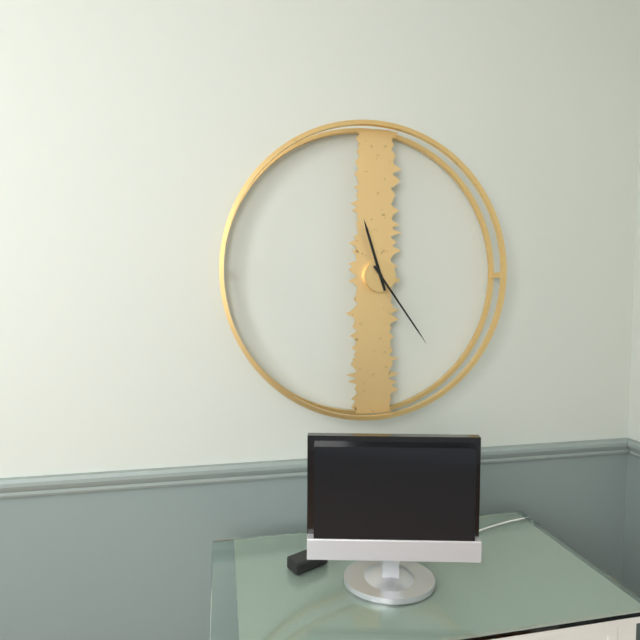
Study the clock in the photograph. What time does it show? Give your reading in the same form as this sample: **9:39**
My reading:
**11:24**
